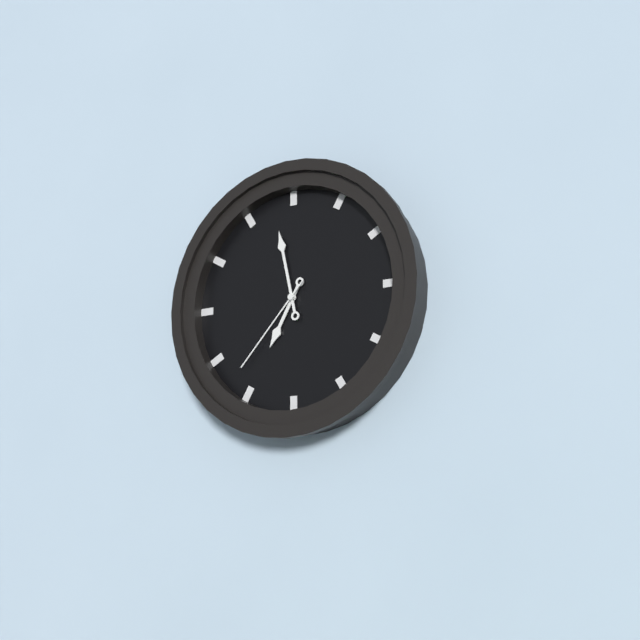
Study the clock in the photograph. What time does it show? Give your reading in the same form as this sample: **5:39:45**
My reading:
**6:58:37**
